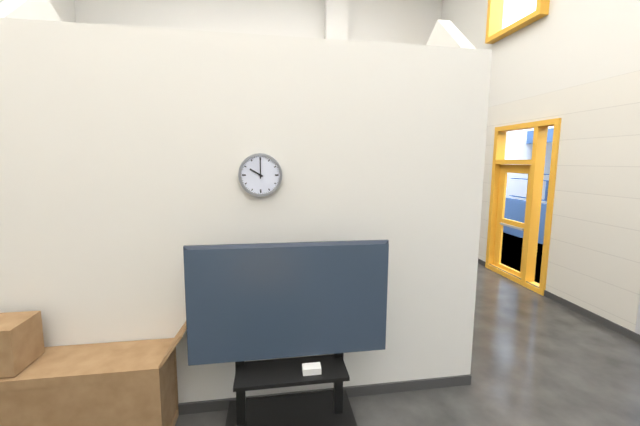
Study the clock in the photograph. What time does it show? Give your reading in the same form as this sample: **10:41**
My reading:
**10:00**
